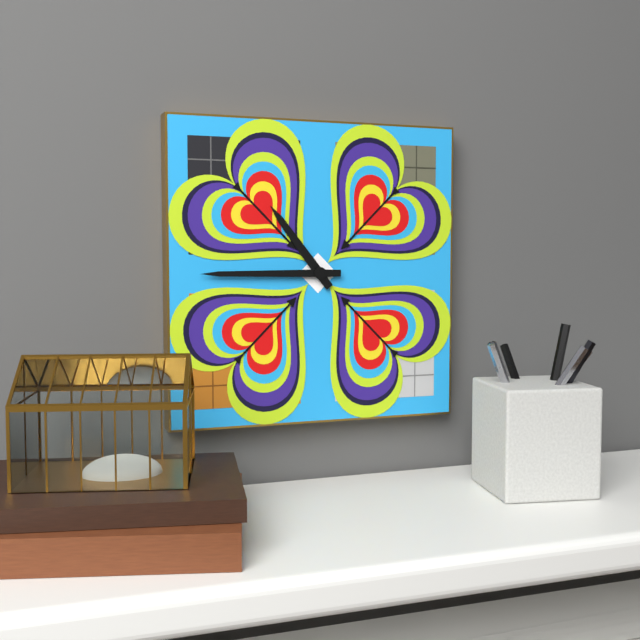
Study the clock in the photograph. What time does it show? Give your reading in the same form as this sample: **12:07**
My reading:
**10:45**
